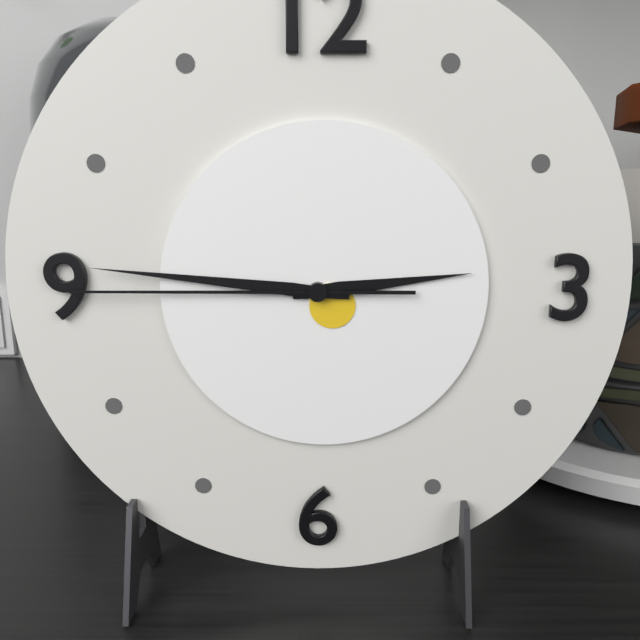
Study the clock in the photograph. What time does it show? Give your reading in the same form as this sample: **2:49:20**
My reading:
**2:46:45**
